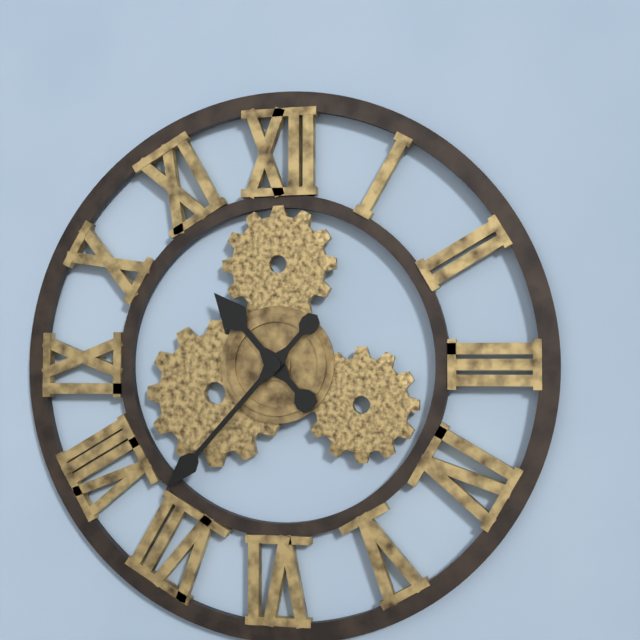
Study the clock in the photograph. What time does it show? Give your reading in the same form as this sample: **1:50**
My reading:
**10:37**
